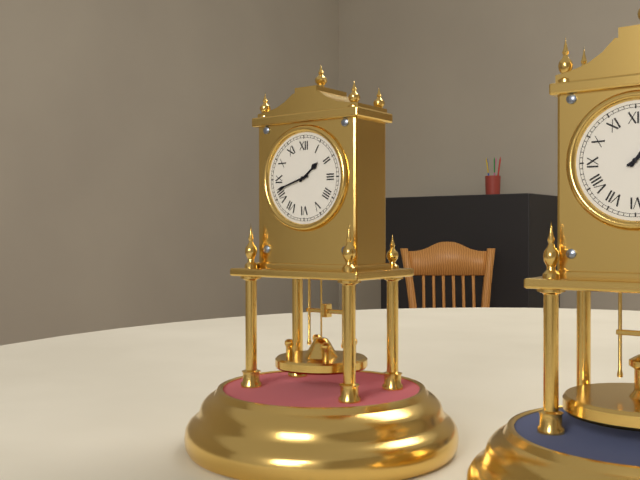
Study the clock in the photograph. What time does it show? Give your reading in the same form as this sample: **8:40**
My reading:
**1:42**
